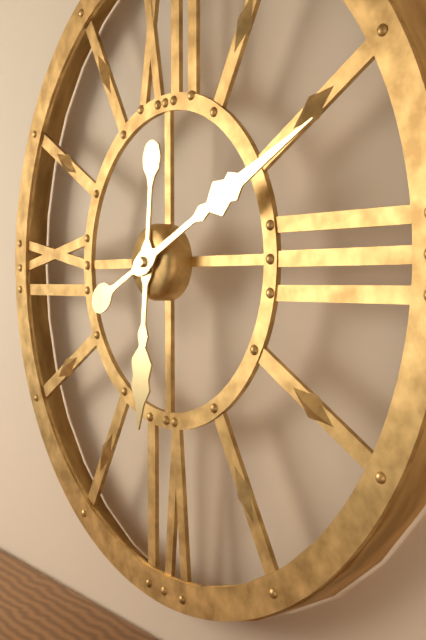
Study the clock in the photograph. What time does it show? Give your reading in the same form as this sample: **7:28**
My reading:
**6:11**
